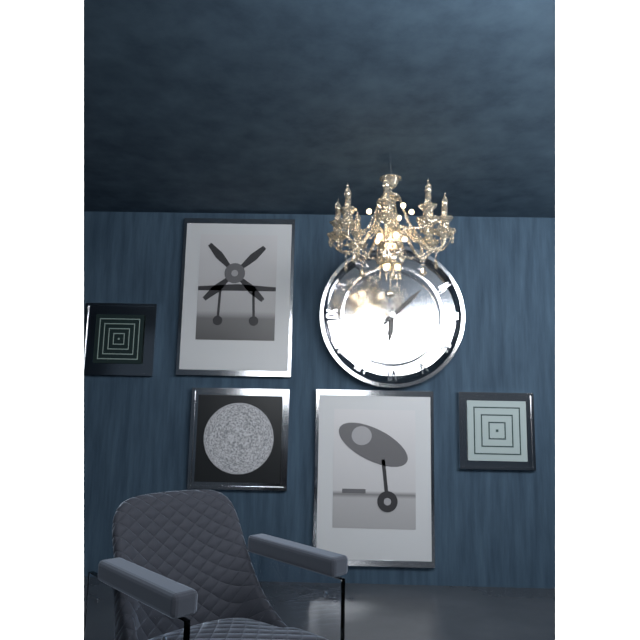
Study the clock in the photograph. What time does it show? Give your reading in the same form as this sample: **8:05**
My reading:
**6:08**
